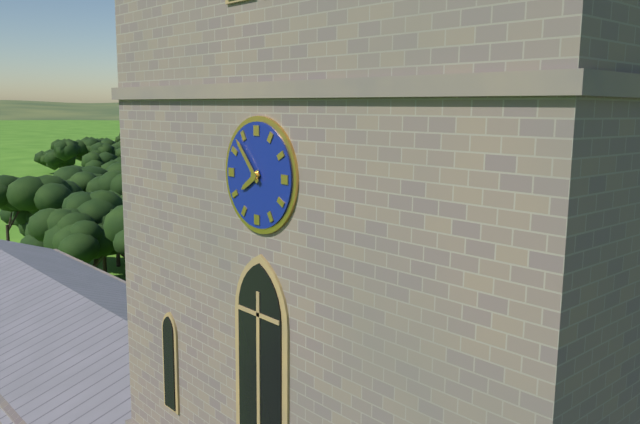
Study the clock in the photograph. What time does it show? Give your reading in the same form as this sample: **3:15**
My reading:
**7:53**
